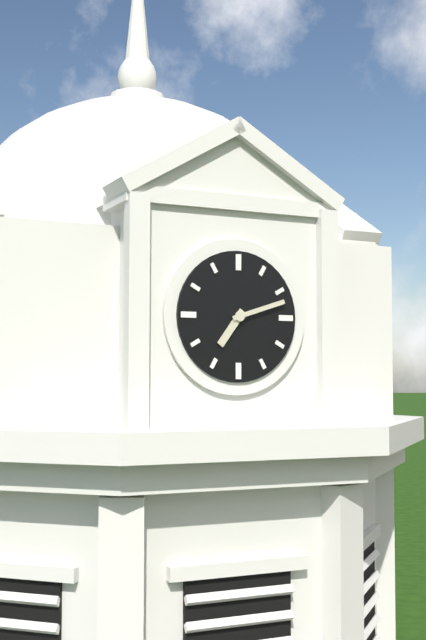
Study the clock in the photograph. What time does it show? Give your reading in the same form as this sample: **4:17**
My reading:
**7:12**
